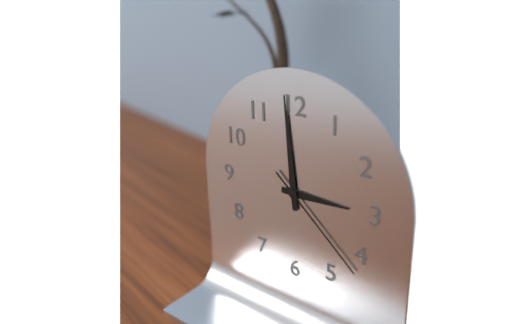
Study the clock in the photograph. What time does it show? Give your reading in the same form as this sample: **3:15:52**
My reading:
**2:59:22**
